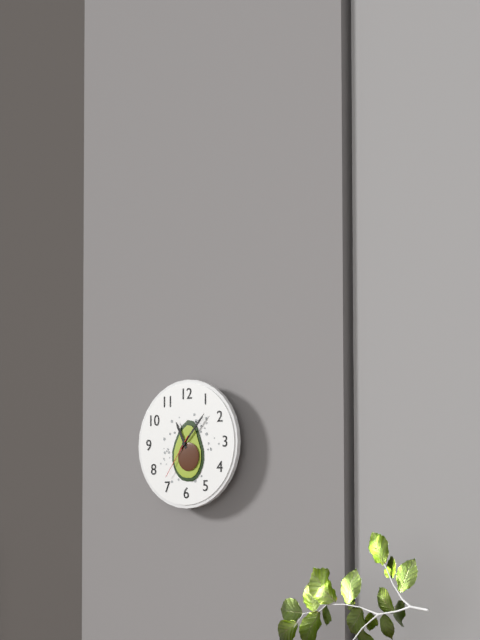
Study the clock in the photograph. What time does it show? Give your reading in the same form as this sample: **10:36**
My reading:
**11:07**
